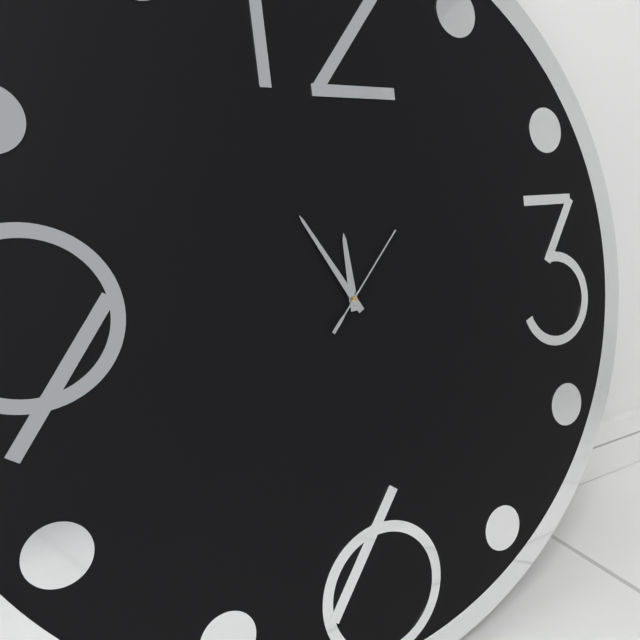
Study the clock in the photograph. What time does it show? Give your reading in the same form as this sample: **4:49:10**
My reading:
**11:55:07**
